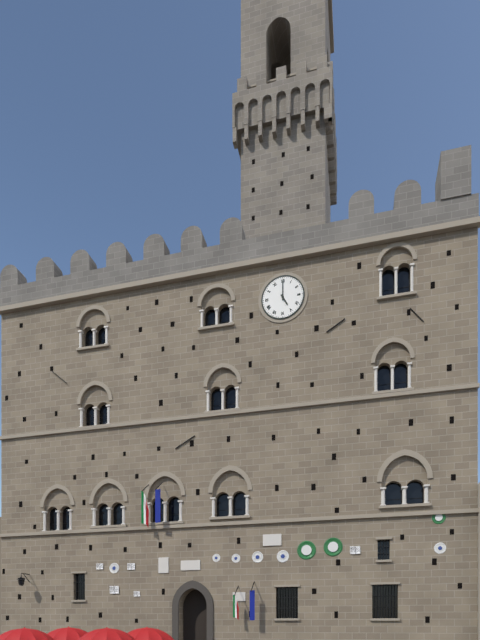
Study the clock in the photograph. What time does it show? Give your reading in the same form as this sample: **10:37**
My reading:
**5:00**
